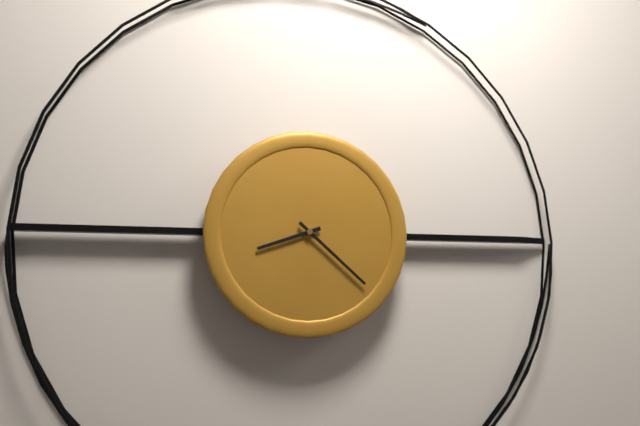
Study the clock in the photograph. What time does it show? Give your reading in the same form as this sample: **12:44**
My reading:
**8:22**
